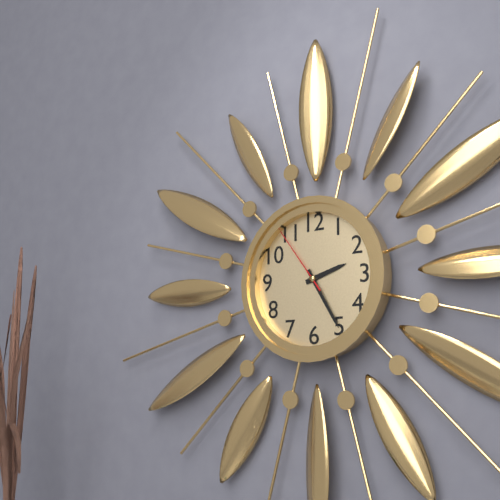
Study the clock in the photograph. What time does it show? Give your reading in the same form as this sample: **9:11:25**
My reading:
**2:25:54**
